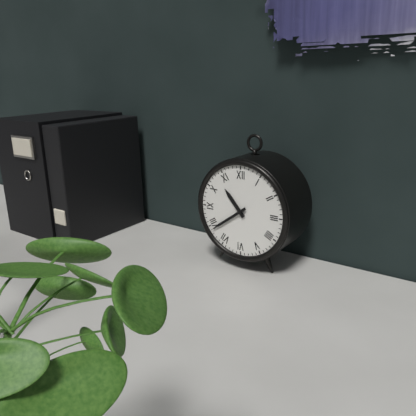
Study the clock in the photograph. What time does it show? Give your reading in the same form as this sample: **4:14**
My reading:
**10:39**
